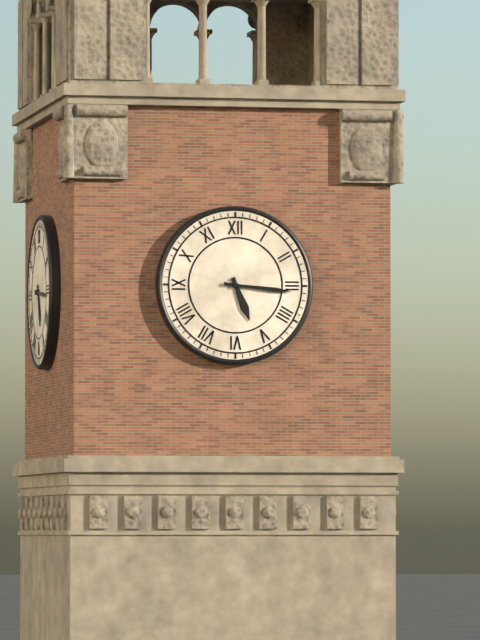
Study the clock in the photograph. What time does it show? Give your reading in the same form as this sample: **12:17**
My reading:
**5:16**
